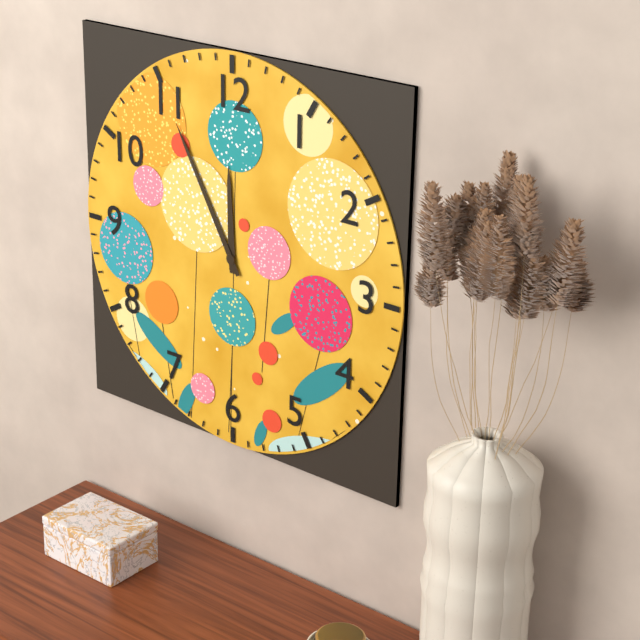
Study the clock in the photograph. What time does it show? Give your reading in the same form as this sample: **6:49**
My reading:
**11:55**
